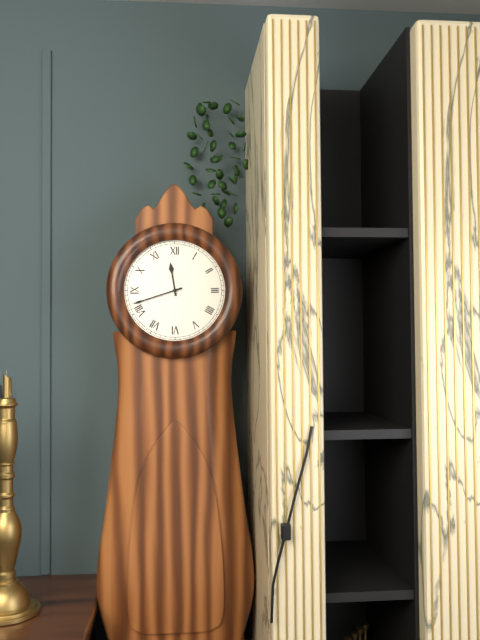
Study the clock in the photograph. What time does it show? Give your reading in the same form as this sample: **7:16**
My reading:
**11:42**
